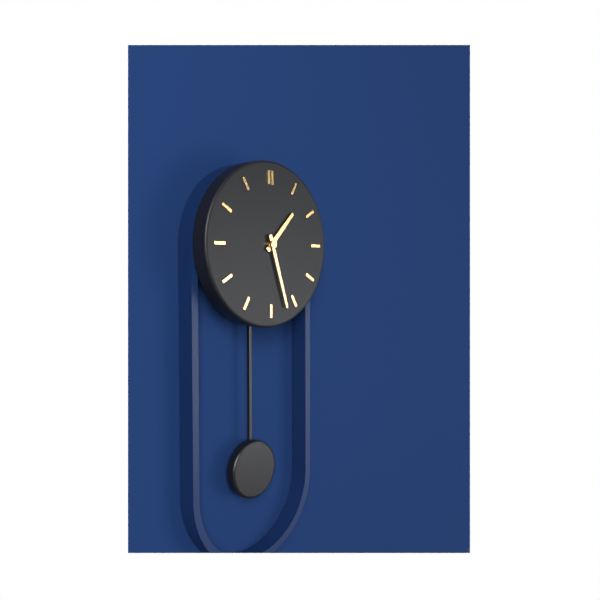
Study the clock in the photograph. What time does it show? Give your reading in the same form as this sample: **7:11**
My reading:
**1:27**
